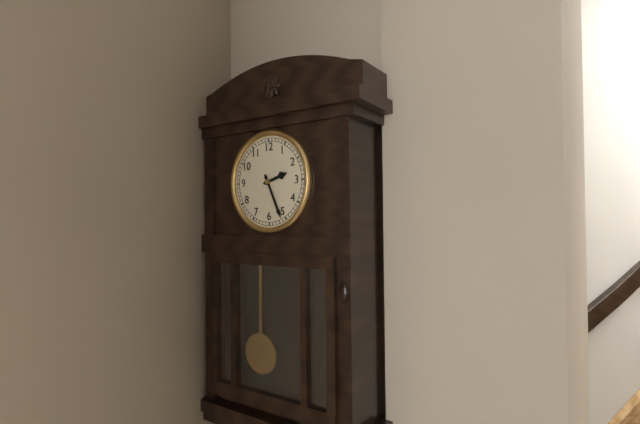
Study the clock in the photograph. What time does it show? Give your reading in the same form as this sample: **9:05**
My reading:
**2:26**
